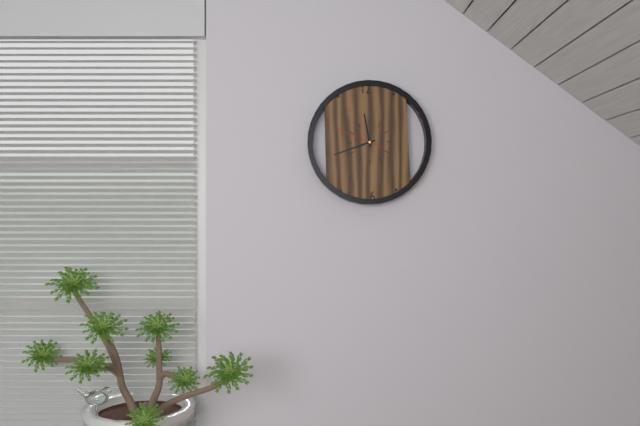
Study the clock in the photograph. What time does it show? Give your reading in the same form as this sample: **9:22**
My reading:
**11:42**
